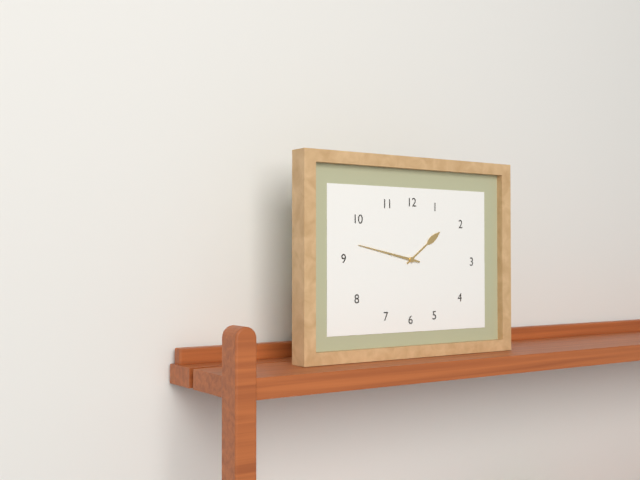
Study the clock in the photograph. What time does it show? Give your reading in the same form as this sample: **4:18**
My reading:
**1:47**
